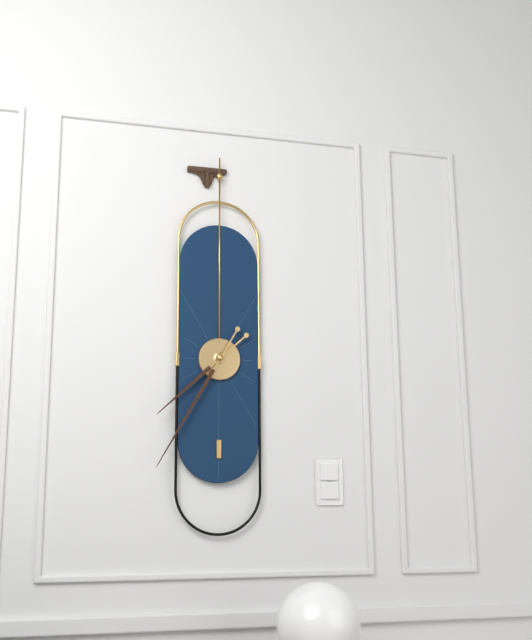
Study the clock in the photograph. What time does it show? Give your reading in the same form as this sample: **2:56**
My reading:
**7:35**
